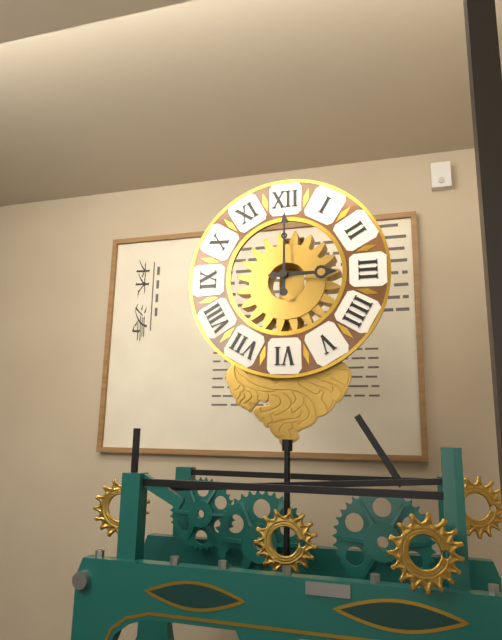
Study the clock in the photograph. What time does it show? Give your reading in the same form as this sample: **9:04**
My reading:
**3:00**
